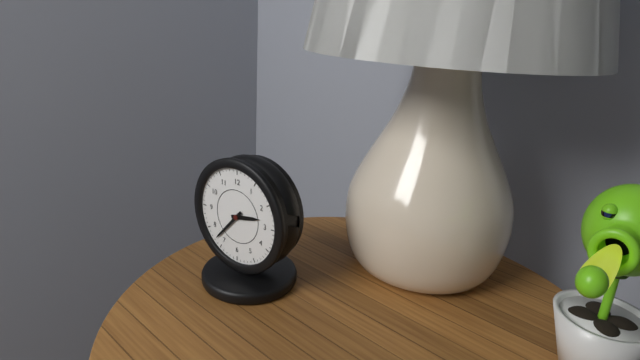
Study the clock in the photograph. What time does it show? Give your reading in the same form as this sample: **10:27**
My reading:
**2:37**
